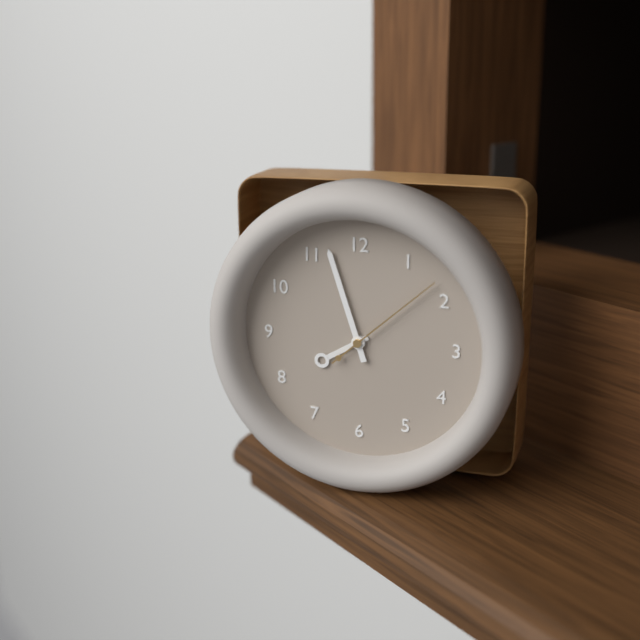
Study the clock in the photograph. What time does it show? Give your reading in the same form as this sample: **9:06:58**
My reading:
**7:57:08**
